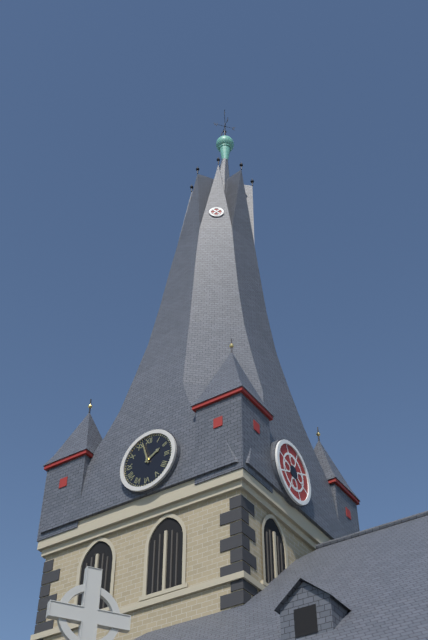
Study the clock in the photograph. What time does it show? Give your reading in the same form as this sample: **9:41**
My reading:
**1:57**
